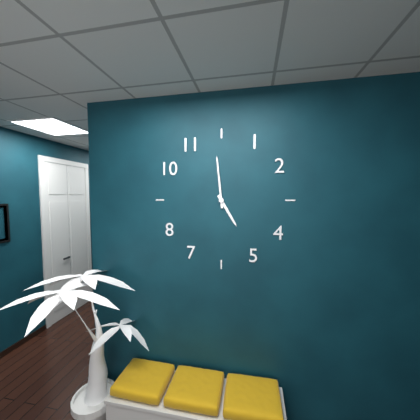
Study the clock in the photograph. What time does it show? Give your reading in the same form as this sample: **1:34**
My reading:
**4:59**
